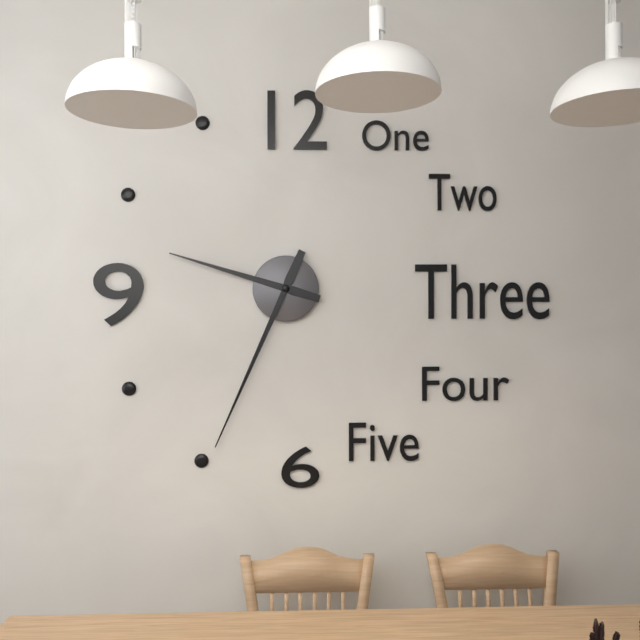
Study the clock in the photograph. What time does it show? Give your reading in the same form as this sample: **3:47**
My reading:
**9:34**
